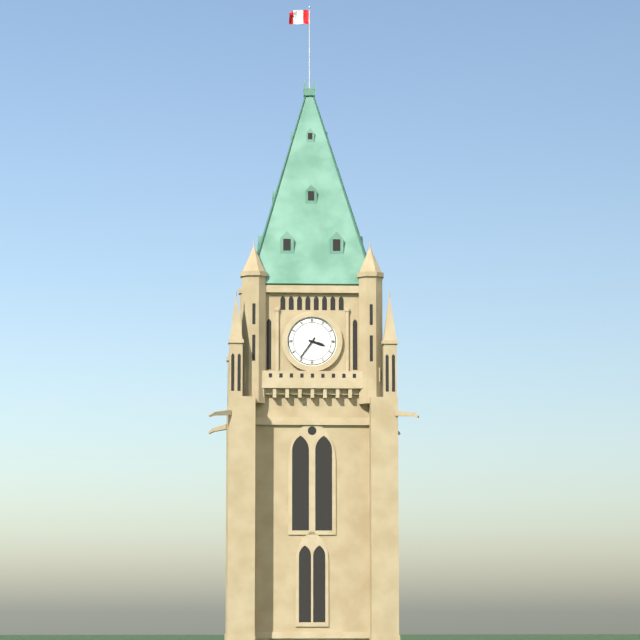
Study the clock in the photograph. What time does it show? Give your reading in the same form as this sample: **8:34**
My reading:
**3:36**
